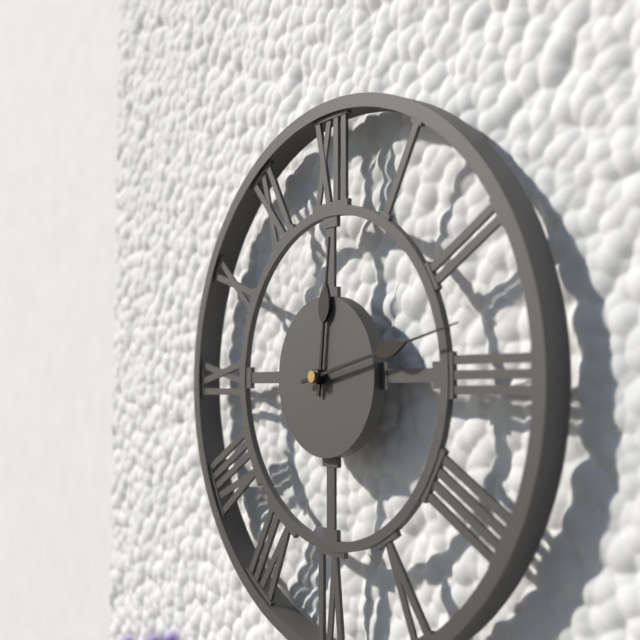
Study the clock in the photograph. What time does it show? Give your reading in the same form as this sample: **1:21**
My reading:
**12:13**
